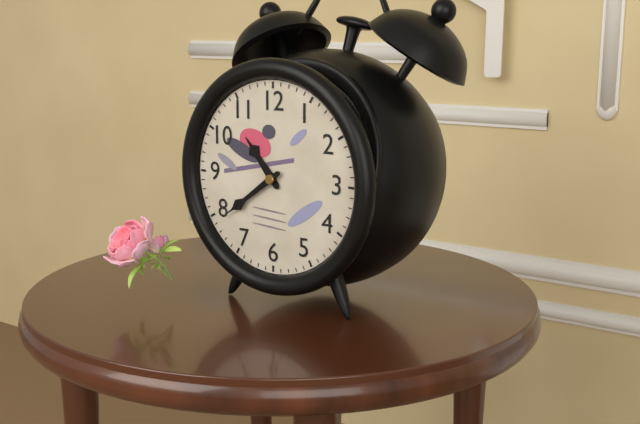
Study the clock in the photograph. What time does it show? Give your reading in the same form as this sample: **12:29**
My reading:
**10:39**
